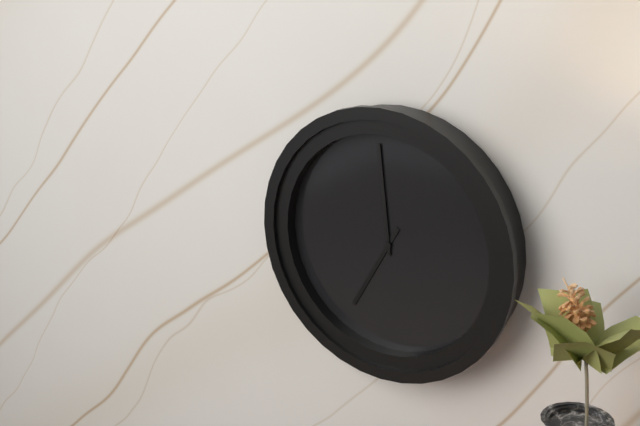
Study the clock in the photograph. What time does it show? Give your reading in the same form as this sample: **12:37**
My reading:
**6:59**
